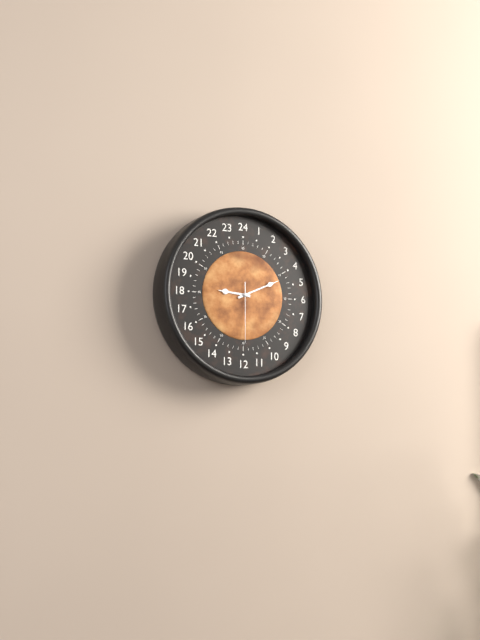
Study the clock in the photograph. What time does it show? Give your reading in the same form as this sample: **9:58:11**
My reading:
**9:11:30**
